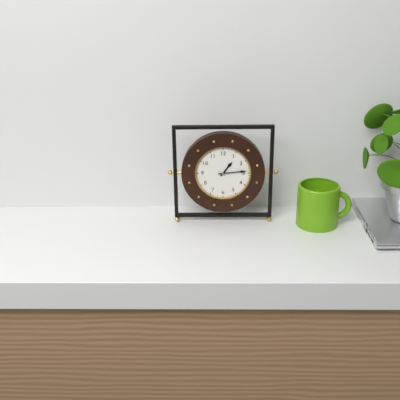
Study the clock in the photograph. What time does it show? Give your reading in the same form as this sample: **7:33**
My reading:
**1:14**
